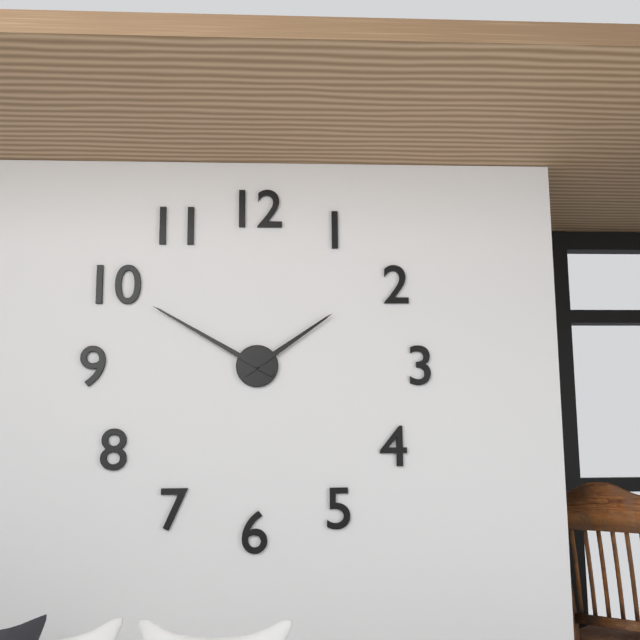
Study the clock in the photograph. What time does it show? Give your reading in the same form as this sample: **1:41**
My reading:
**1:50**
